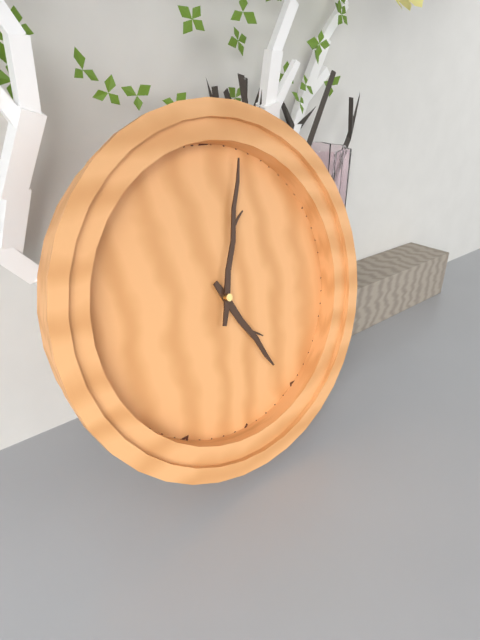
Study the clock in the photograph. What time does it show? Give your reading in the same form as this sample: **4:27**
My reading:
**5:03**
